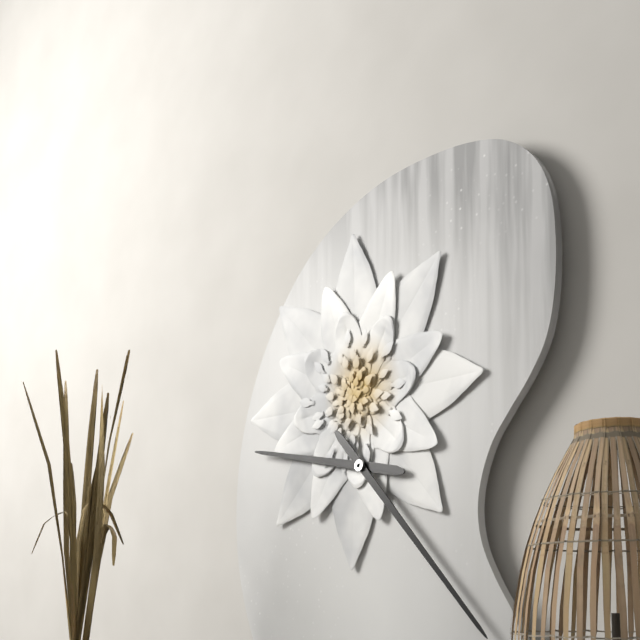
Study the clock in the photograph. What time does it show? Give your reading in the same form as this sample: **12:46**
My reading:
**9:23**
